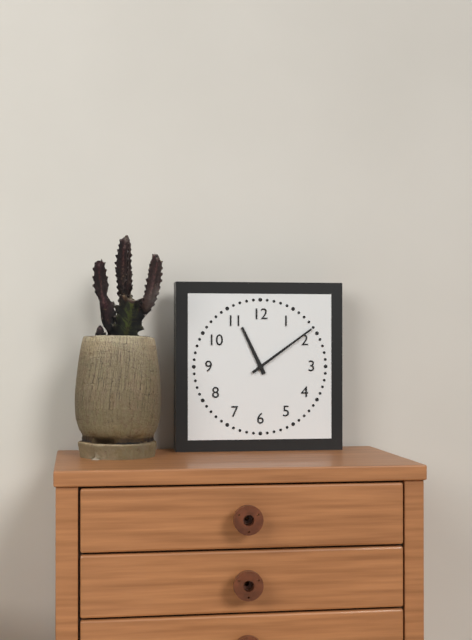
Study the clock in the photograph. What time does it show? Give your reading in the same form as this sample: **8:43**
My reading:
**11:09**
